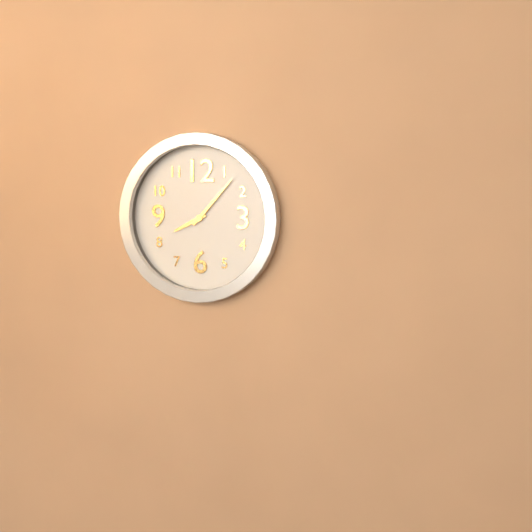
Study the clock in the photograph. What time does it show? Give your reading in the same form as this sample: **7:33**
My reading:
**8:07**
